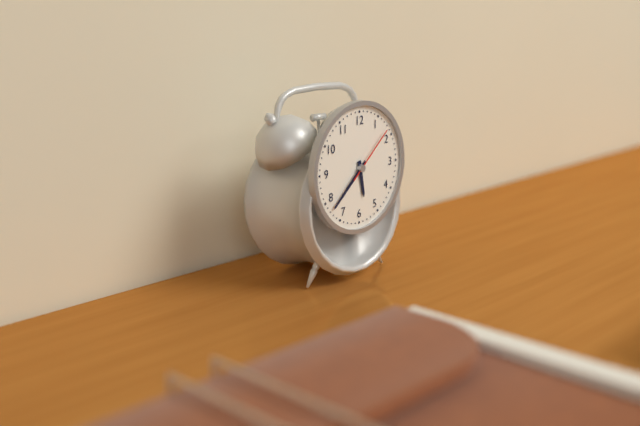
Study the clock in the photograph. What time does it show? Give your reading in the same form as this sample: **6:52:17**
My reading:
**5:38:08**
